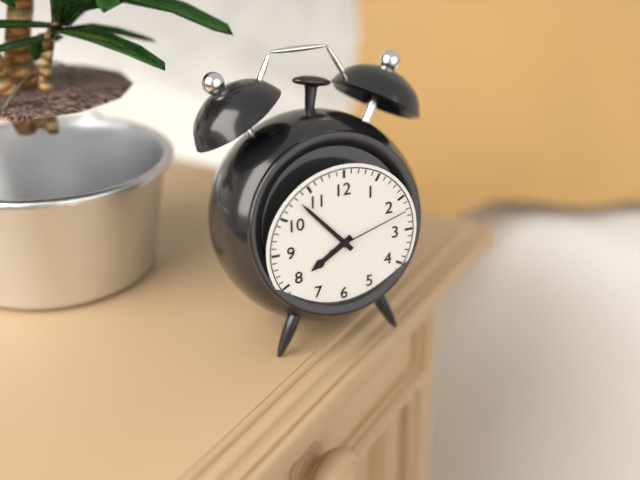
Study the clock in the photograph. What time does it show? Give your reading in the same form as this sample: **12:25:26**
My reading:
**7:53:12**
